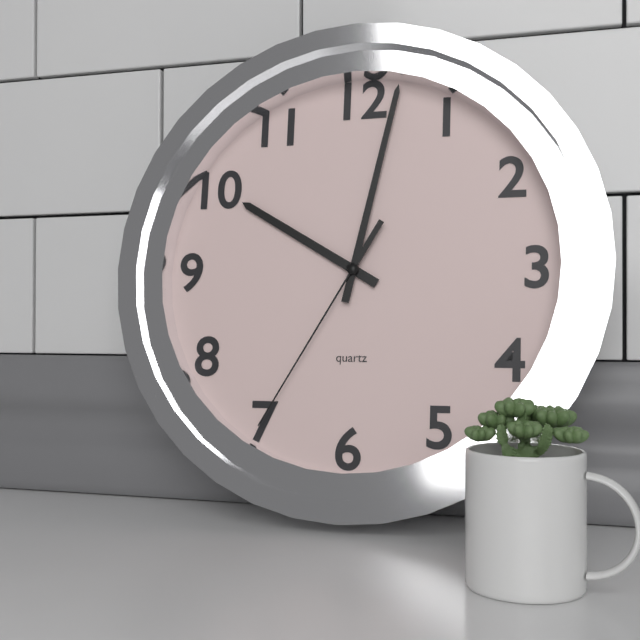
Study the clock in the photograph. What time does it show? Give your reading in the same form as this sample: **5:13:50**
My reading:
**10:02:35**
